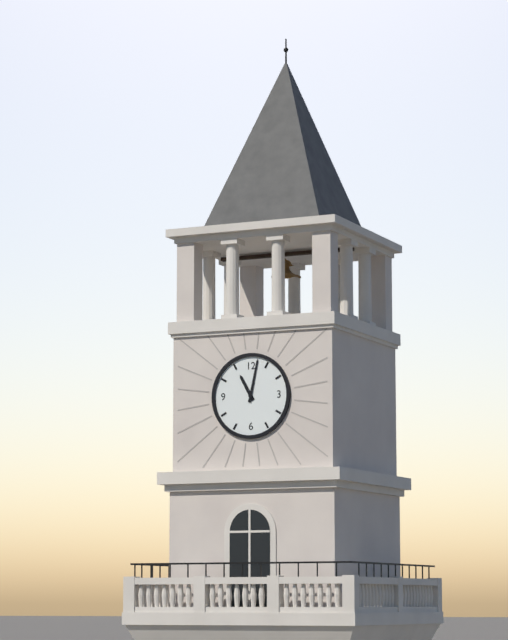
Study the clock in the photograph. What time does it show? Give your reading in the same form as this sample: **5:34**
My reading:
**11:02**
